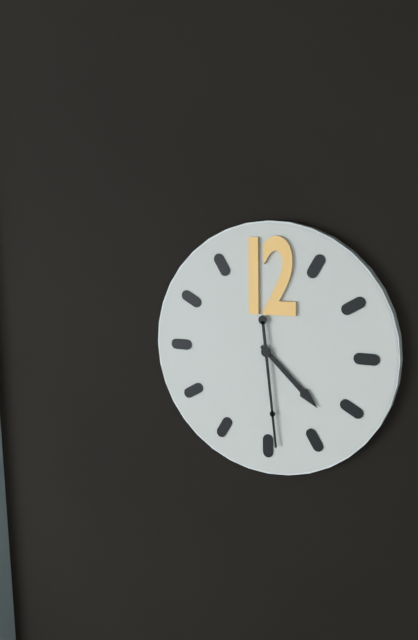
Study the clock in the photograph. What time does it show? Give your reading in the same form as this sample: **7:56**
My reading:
**4:29**
